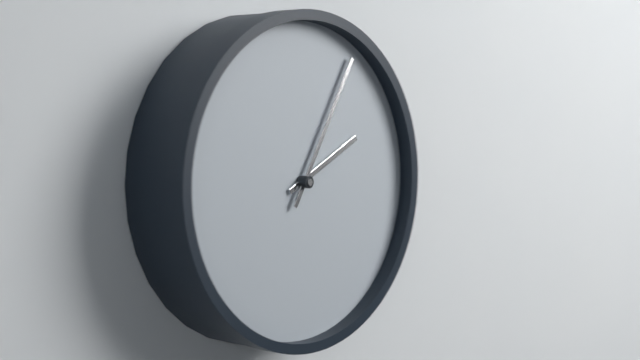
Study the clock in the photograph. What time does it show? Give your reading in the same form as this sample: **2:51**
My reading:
**2:05**
